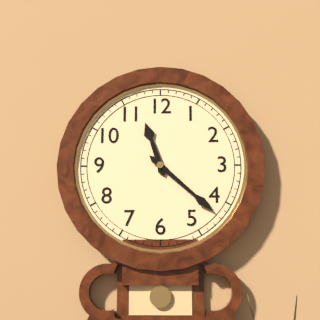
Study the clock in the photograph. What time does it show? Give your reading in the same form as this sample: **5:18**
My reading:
**11:22**
